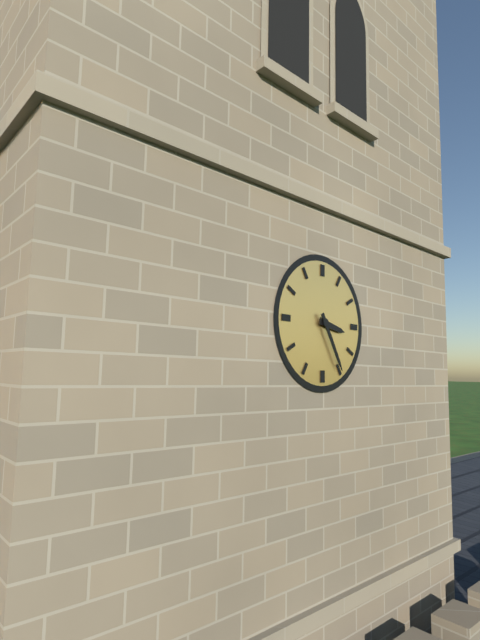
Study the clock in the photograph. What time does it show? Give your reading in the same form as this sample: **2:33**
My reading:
**3:25**
